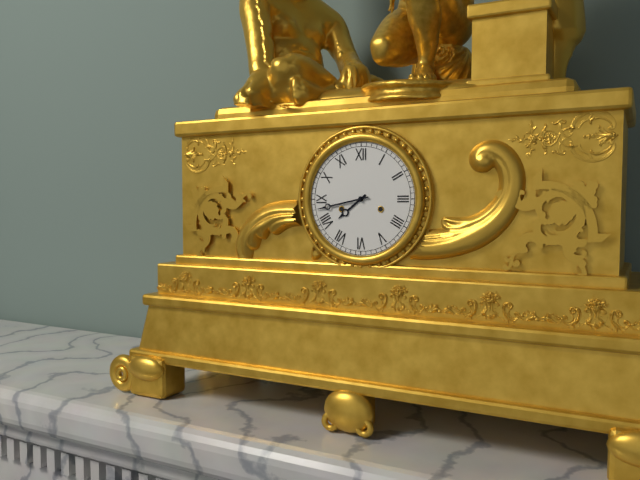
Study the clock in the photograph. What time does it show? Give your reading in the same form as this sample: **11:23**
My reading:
**7:43**
